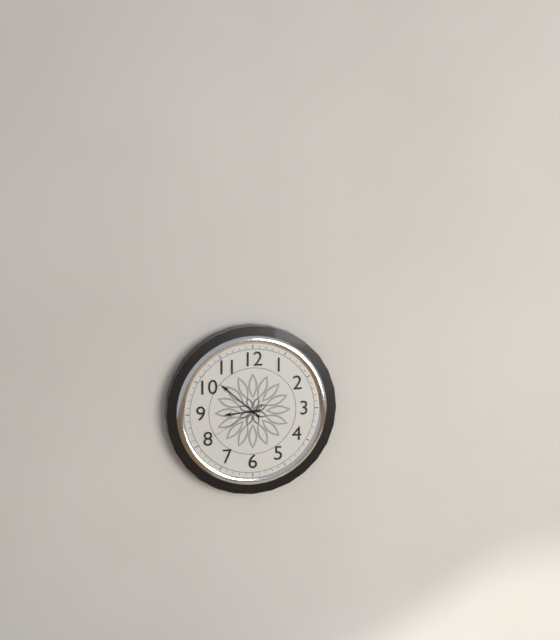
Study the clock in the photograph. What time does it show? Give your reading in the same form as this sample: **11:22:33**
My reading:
**8:52:40**
